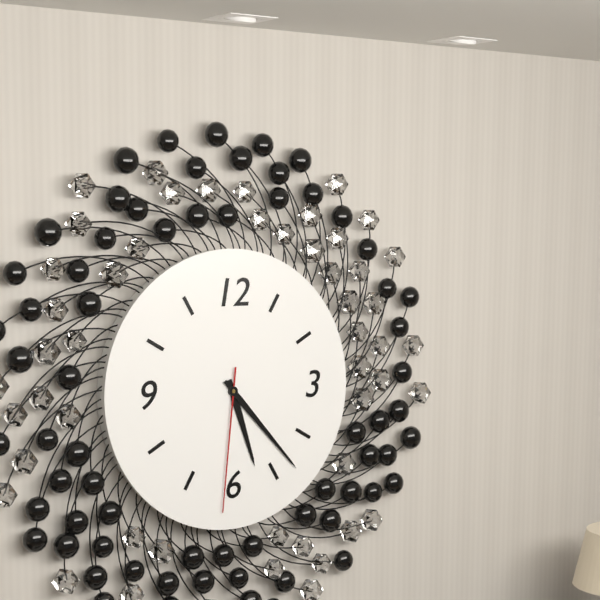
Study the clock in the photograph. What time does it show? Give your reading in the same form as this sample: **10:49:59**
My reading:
**5:23:31**
